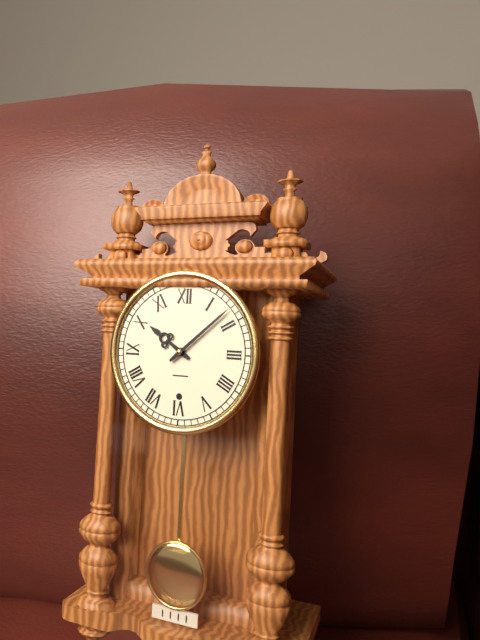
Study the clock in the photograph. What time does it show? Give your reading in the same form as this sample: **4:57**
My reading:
**10:08**
